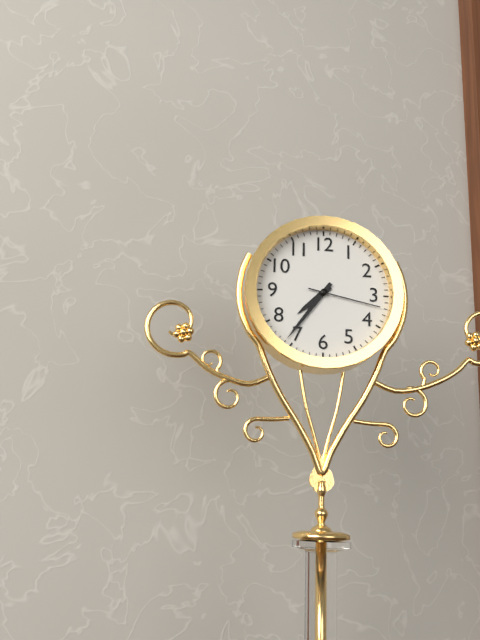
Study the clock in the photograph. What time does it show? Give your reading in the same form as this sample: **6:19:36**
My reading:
**7:36:17**
